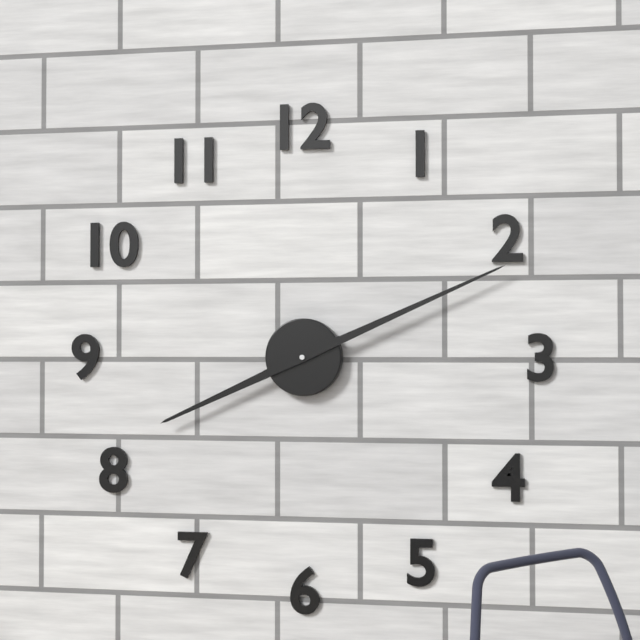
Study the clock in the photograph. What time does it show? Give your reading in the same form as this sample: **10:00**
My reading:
**8:11**
